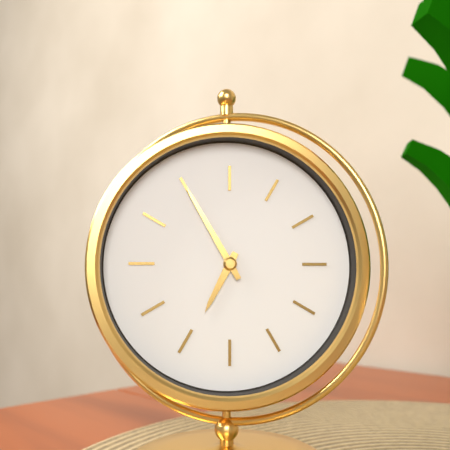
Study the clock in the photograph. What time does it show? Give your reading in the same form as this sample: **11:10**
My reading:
**6:55**
